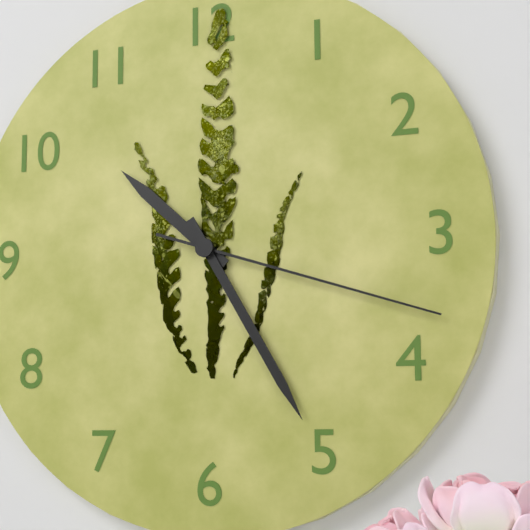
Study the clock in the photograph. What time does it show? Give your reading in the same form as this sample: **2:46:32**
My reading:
**10:25:18**
